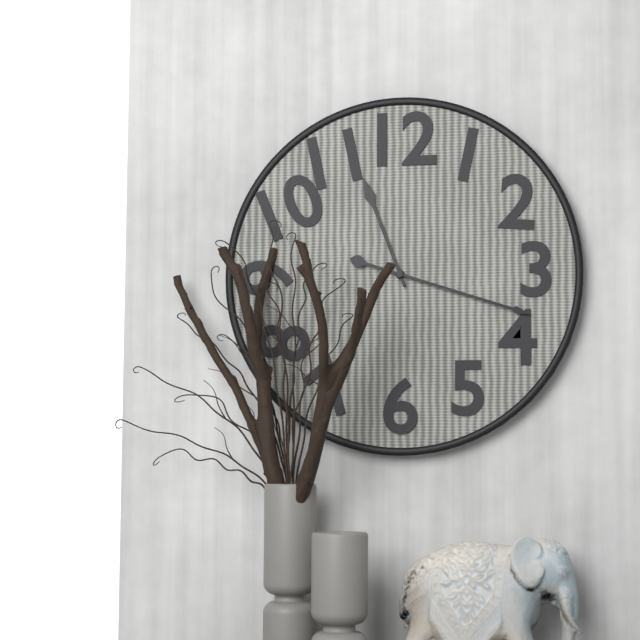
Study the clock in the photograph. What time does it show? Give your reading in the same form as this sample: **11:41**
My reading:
**11:18**
